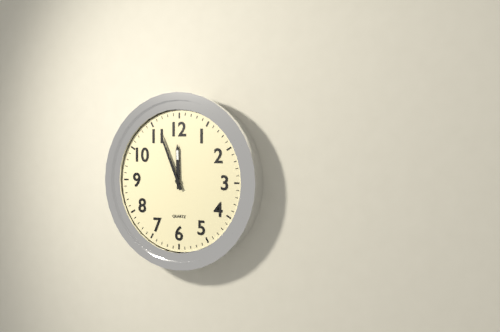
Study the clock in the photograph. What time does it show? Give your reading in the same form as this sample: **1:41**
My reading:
**11:56**
